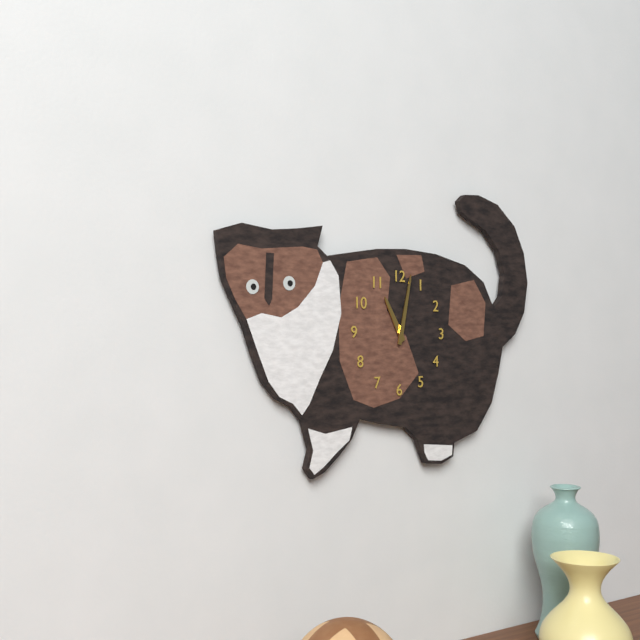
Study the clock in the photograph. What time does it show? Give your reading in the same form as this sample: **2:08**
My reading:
**11:02**
